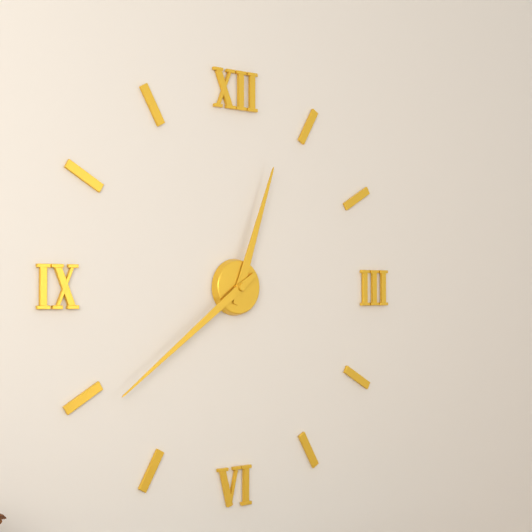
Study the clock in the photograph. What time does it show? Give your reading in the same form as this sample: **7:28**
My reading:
**12:39**
